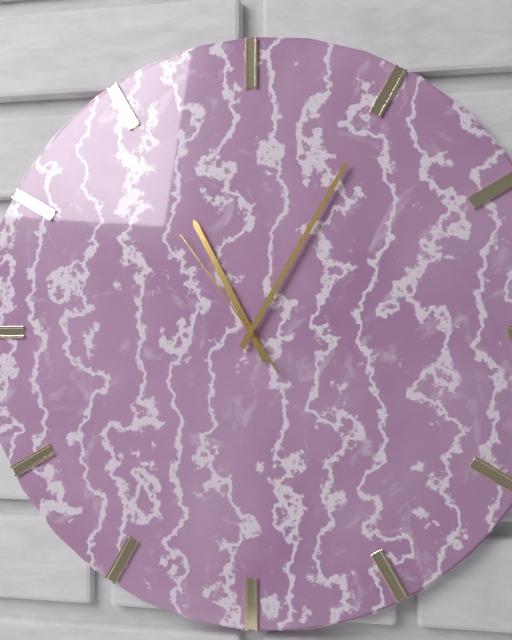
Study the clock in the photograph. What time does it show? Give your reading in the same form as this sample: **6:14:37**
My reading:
**11:05:54**
